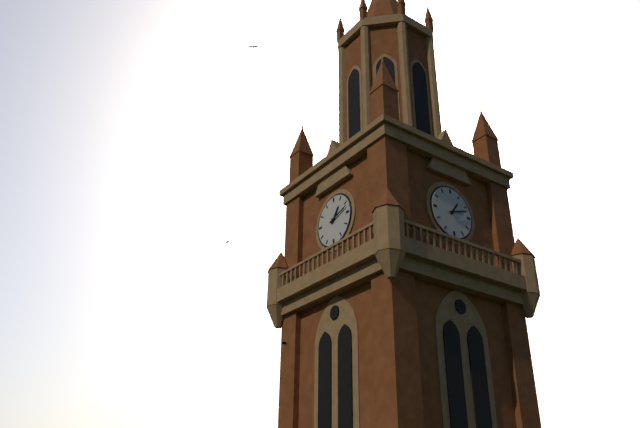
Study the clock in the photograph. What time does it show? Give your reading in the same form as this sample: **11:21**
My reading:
**1:12**
